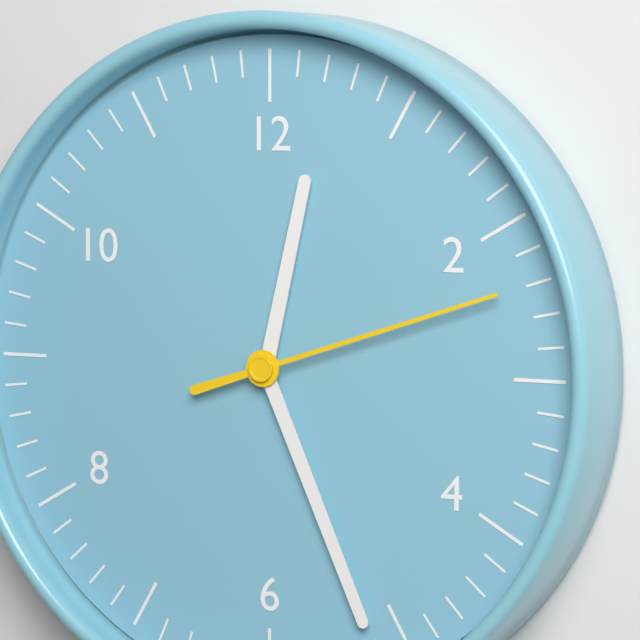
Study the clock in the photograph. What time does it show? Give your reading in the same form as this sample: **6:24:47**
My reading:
**12:26:12**
